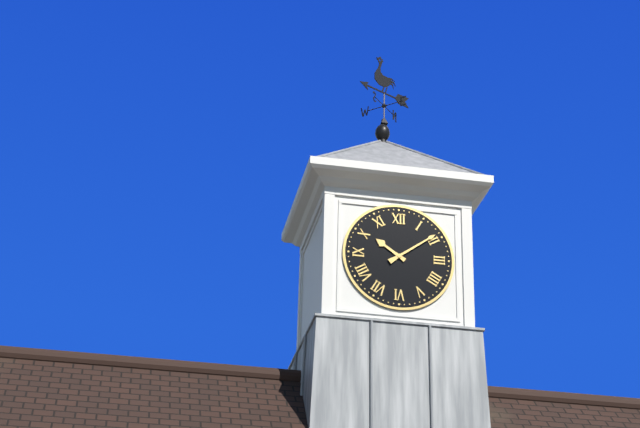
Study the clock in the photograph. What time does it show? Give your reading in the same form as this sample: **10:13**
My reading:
**10:09**
